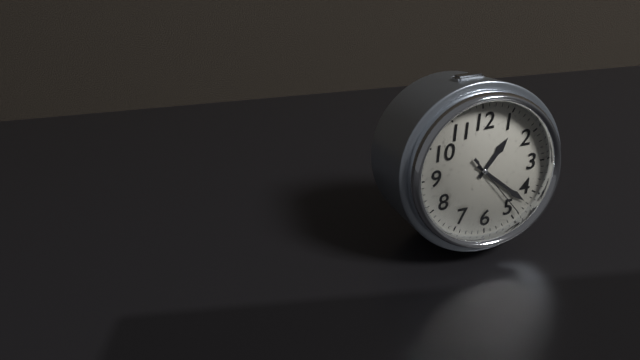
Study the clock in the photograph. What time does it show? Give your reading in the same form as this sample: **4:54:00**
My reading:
**1:22:24**
